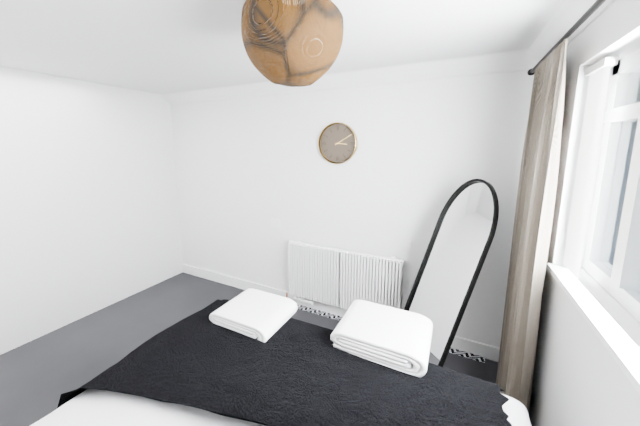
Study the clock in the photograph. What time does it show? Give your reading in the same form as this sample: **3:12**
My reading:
**3:10**
